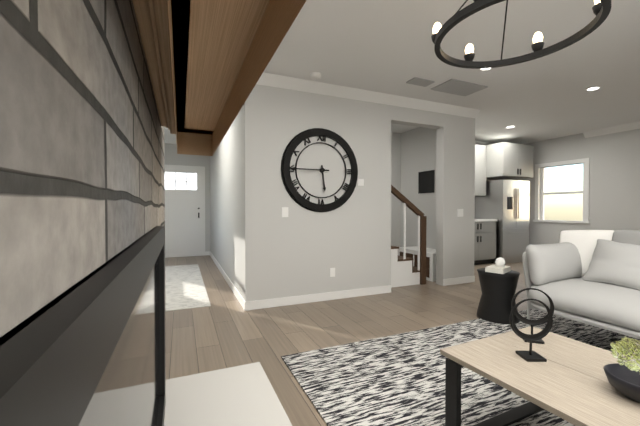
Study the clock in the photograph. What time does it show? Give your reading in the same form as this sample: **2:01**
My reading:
**5:45**
